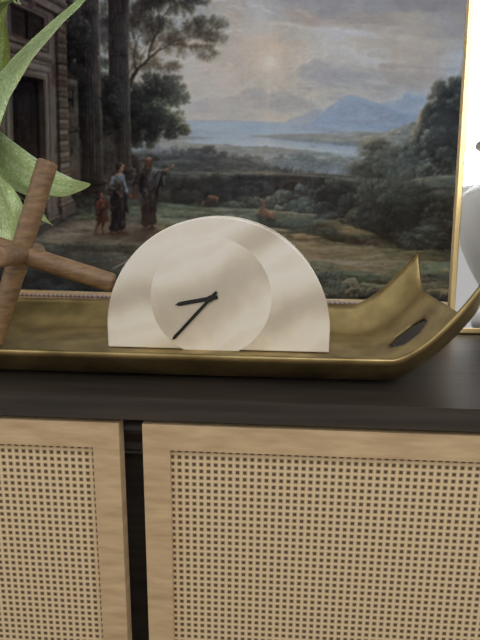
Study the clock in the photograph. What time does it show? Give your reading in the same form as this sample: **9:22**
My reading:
**8:37**
